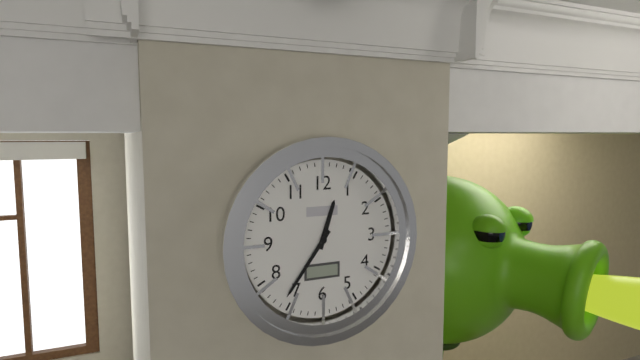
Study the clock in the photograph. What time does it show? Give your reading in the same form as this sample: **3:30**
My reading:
**12:36**
